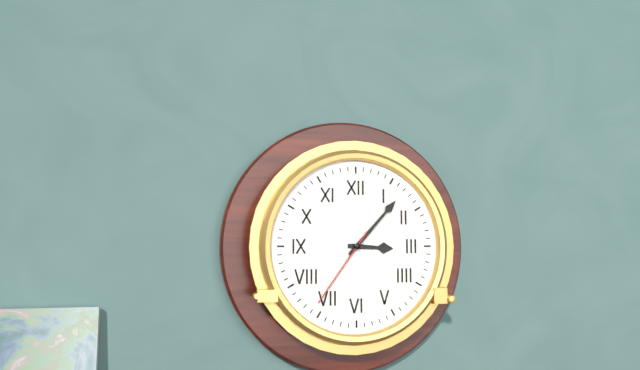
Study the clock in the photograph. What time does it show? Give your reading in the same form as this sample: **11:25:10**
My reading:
**3:07:36**
